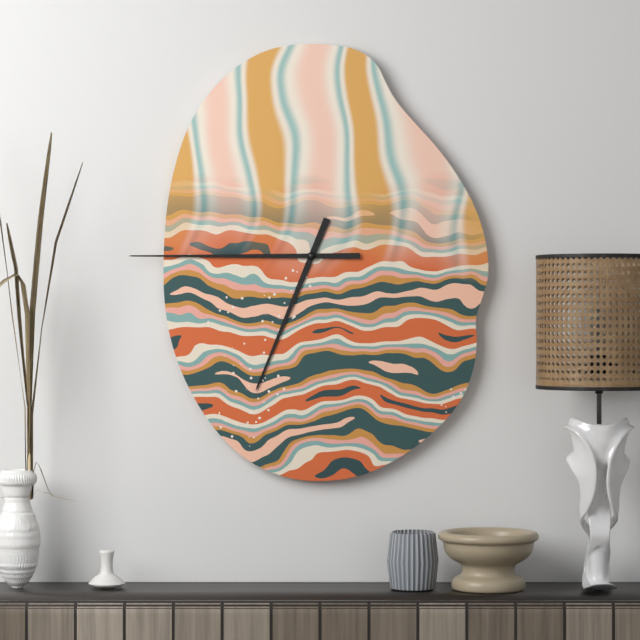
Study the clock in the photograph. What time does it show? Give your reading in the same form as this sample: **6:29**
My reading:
**6:45**
